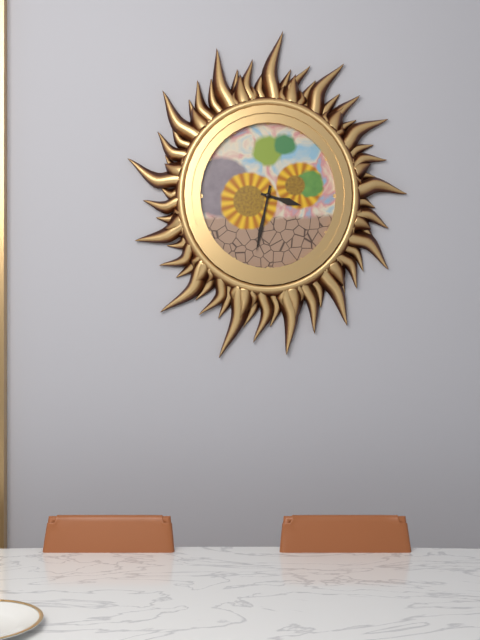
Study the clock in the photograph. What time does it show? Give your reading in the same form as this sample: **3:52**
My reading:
**3:32**
